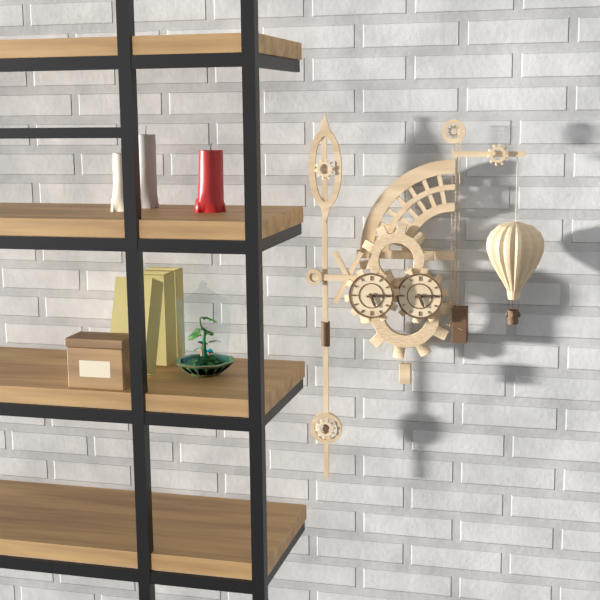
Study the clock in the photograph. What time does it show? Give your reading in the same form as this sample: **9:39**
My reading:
**5:14**
